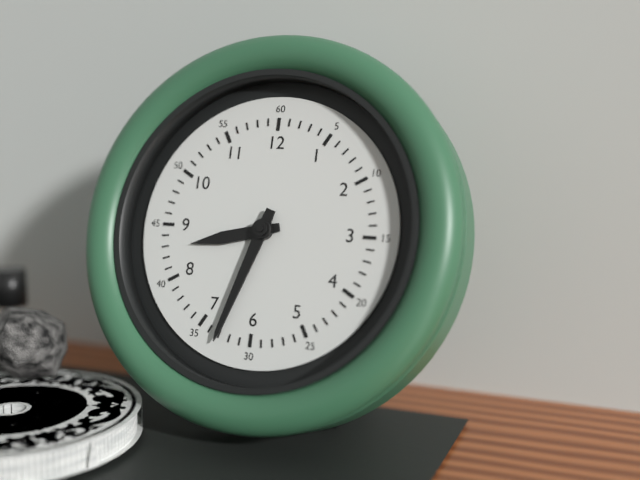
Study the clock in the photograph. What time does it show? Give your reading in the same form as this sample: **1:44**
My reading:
**8:33**
